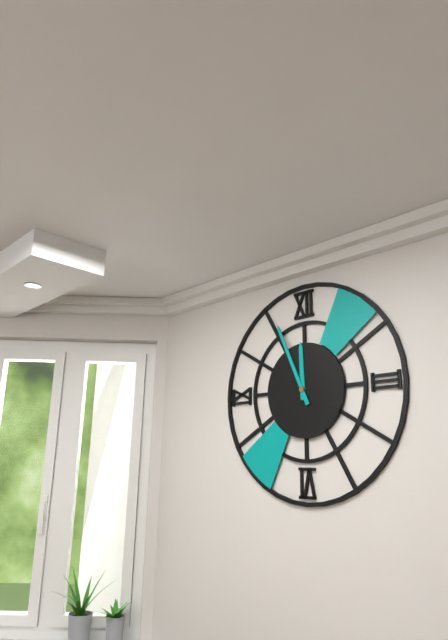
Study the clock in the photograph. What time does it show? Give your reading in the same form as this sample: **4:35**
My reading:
**11:56**
